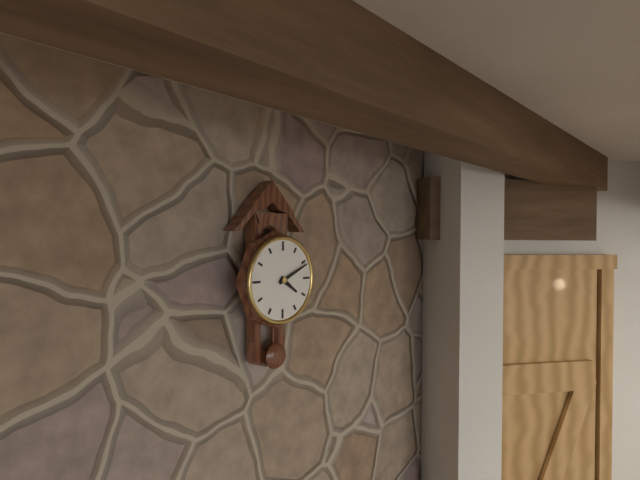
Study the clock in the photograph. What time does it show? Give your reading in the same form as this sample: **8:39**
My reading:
**4:11**
